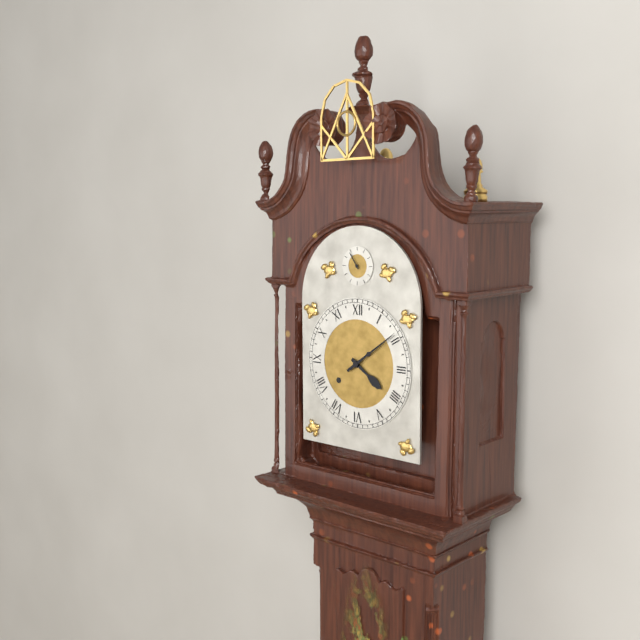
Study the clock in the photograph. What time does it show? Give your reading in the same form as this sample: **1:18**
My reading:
**4:09**
